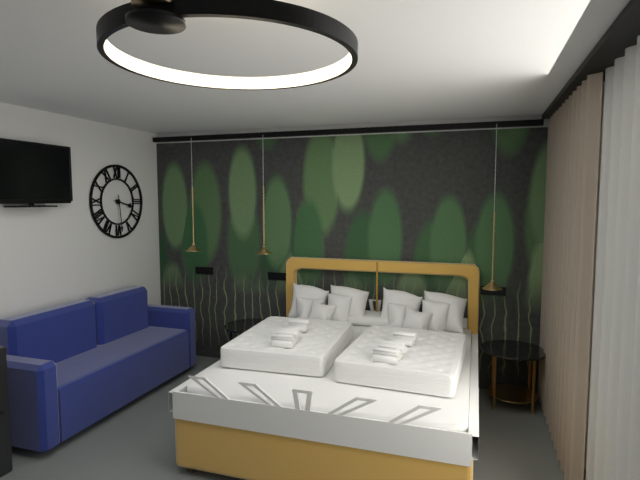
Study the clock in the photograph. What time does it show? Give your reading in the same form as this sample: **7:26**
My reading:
**3:29**
